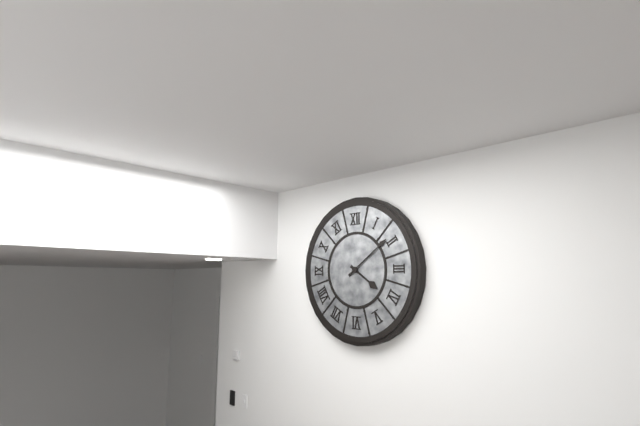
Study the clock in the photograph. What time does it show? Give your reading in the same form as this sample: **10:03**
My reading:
**4:09**
